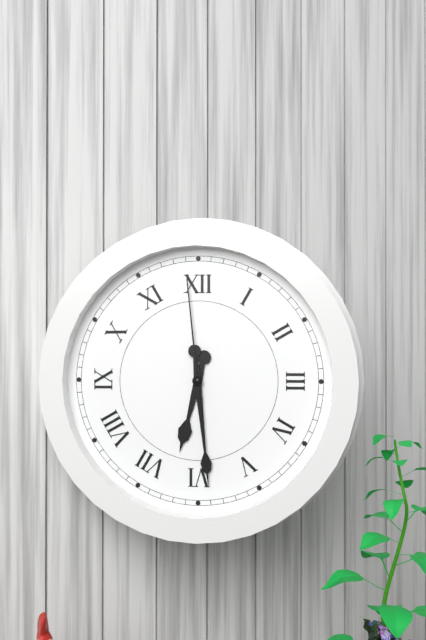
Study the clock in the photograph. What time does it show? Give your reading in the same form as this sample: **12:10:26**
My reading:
**6:29:59**
